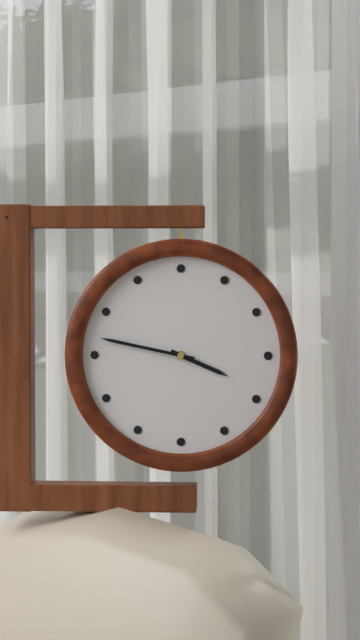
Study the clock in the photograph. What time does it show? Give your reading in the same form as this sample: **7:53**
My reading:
**3:47**
